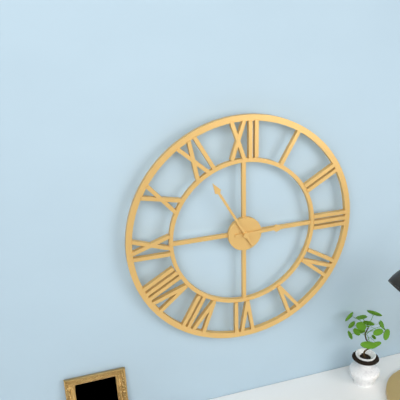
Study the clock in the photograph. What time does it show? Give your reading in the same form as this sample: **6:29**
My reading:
**2:55**
